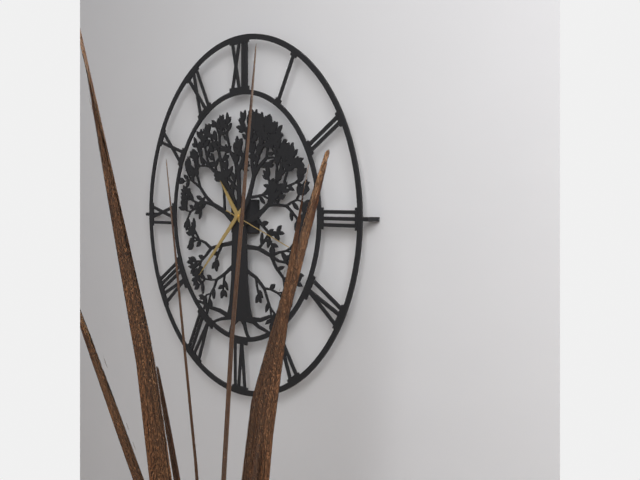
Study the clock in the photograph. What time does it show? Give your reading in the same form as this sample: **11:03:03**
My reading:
**10:38:18**
